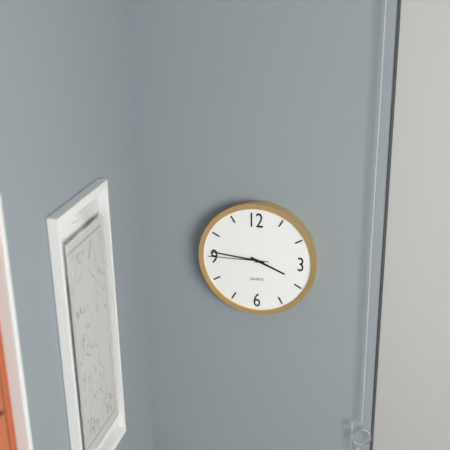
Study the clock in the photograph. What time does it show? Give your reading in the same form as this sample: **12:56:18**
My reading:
**3:46:45**
